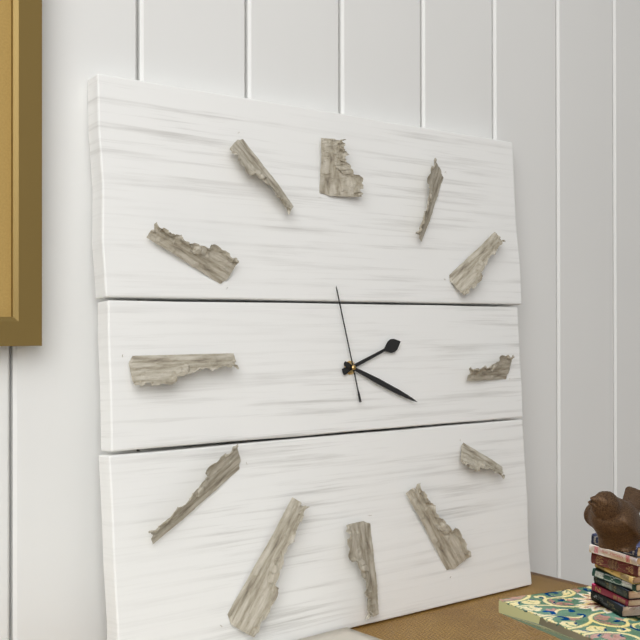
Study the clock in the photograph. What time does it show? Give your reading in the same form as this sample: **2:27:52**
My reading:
**2:19:58**
